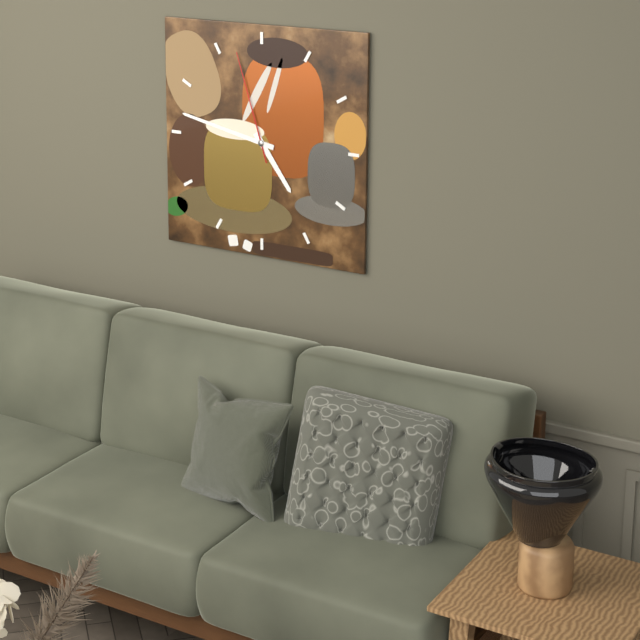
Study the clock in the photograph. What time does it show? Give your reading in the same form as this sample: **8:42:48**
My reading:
**4:47:57**
